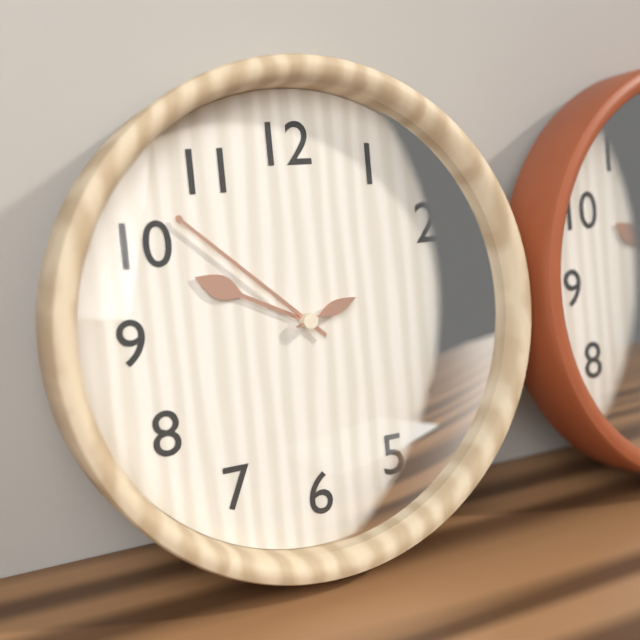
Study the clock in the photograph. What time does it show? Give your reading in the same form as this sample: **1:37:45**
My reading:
**9:52:12**
